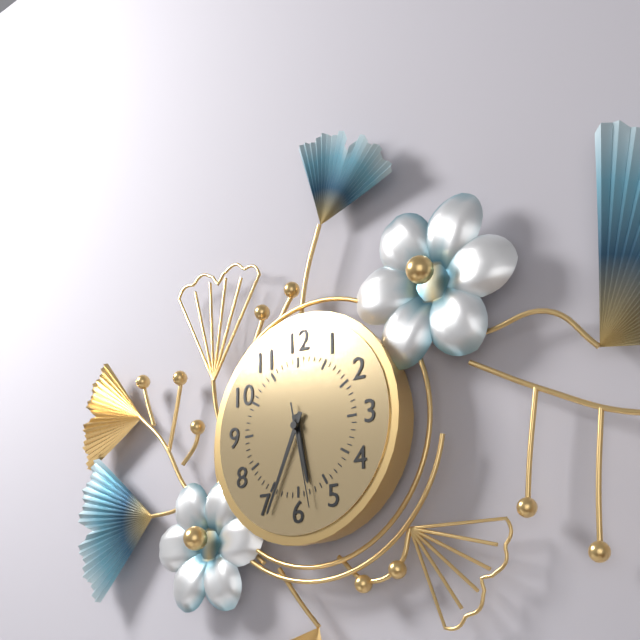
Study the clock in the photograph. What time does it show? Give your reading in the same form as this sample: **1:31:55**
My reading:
**5:34:28**
